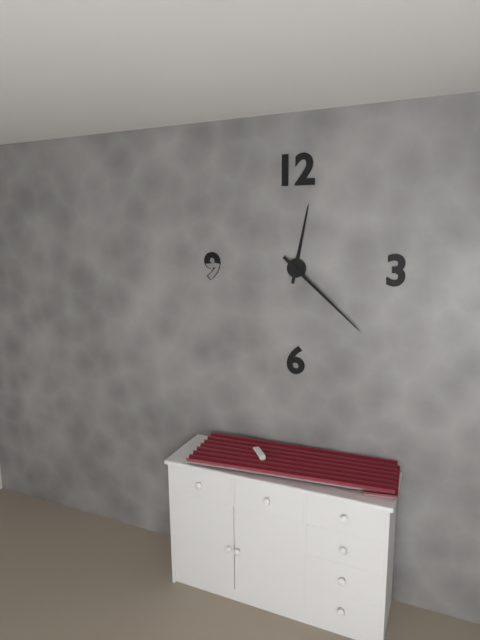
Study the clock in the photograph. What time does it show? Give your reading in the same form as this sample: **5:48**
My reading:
**12:22**
